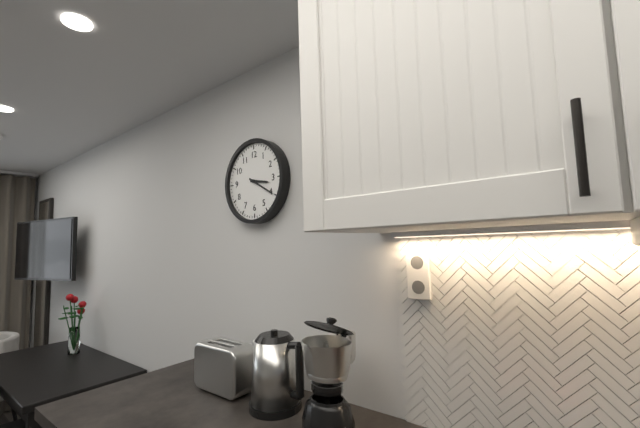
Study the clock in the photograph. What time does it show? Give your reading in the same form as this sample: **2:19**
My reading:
**3:20**
